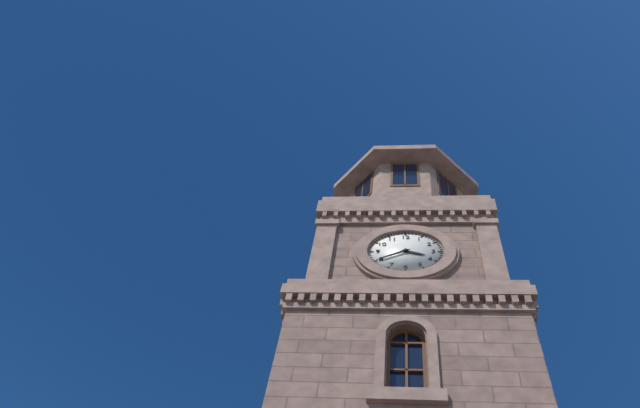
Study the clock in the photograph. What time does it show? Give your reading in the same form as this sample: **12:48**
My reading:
**3:40**
